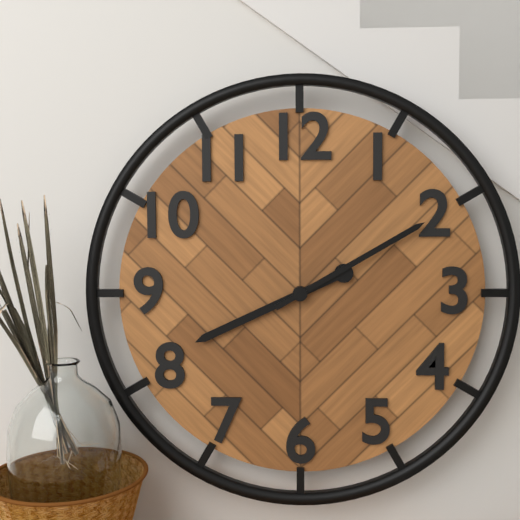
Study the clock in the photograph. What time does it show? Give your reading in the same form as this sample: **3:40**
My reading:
**8:10**
